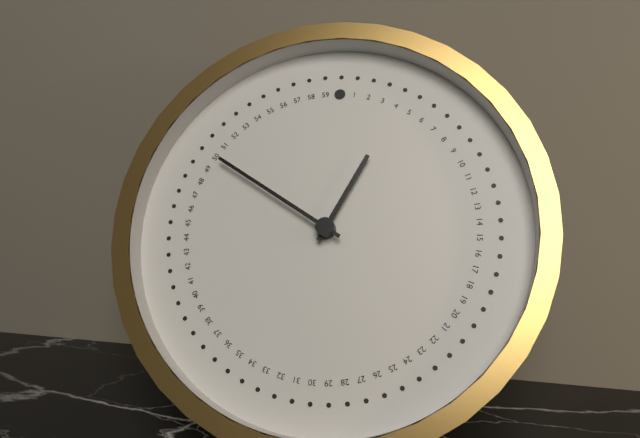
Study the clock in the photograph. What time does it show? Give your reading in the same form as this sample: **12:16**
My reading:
**12:50**
